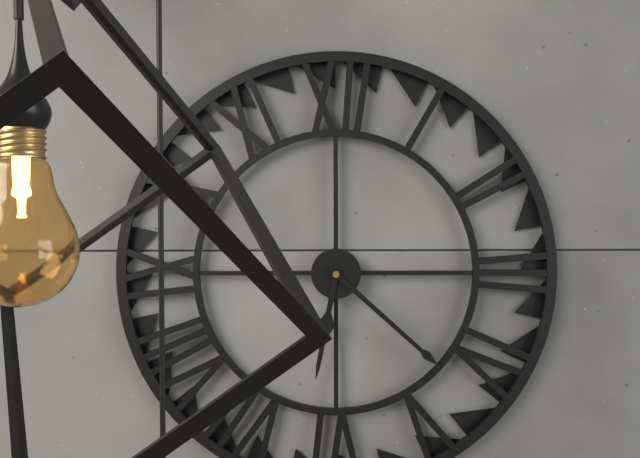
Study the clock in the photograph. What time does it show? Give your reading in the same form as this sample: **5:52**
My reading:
**6:22**
